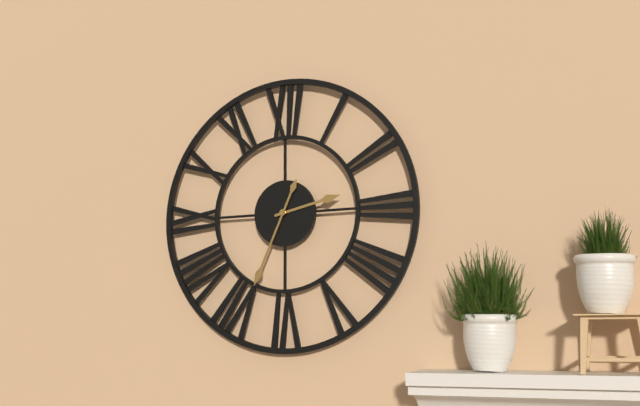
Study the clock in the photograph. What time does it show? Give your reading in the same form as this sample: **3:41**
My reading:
**2:34**
